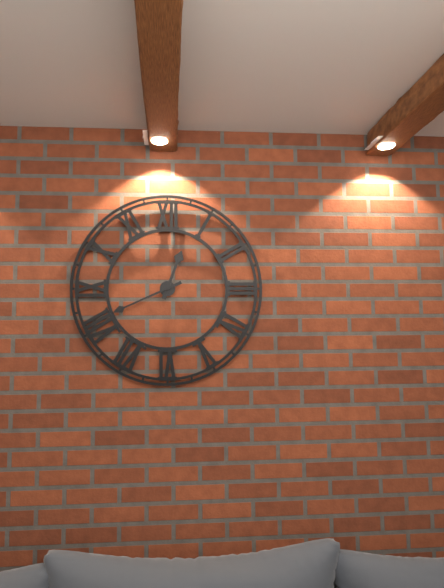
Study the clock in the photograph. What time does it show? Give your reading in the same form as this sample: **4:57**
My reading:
**12:41**
